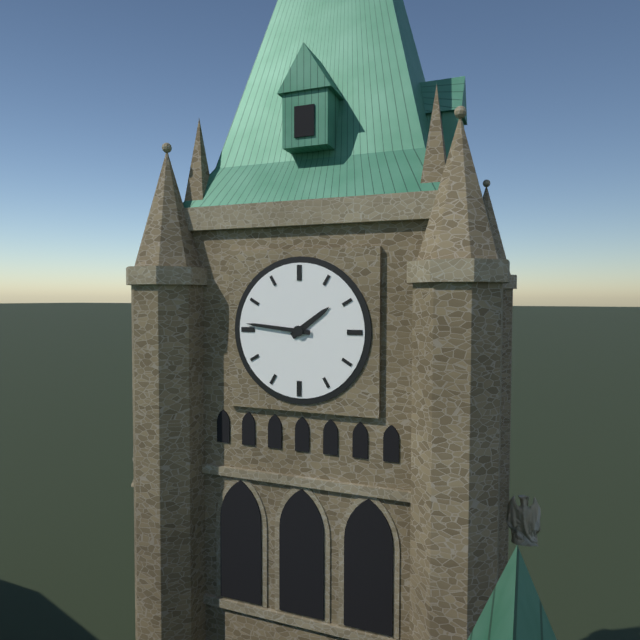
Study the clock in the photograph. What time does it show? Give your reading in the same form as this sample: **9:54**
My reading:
**1:46**
